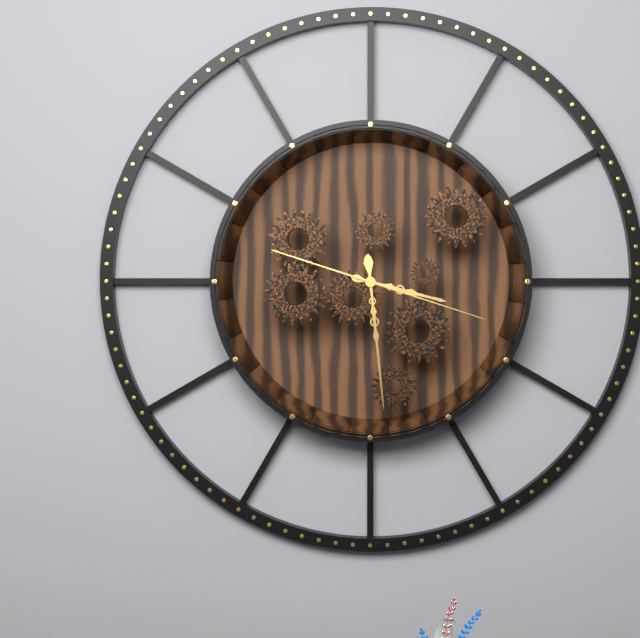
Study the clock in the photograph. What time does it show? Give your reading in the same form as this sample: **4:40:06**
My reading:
**3:29:18**
